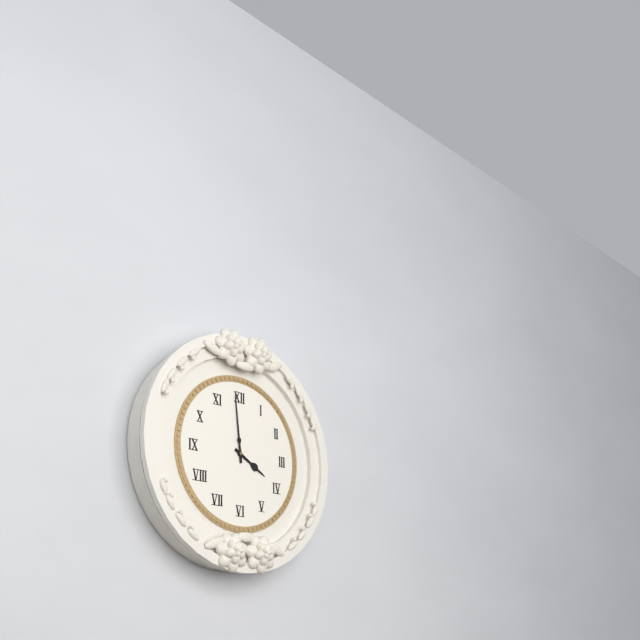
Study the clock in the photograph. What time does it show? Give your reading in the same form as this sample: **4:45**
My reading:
**3:59**
